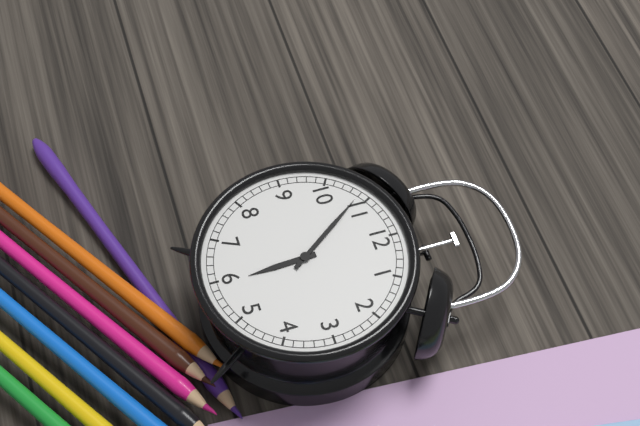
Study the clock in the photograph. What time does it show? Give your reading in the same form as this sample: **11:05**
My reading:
**5:54**
